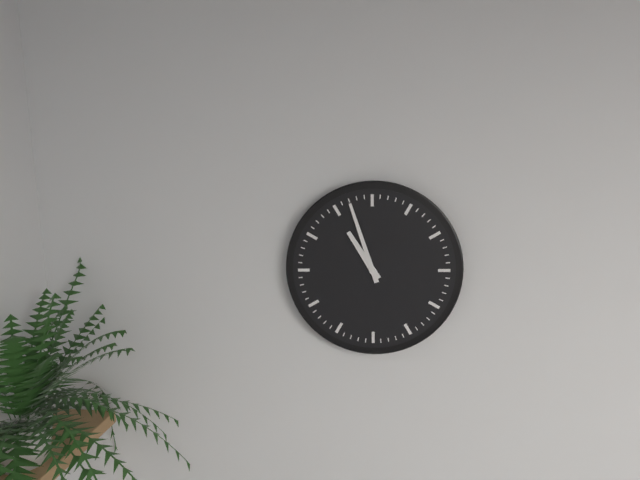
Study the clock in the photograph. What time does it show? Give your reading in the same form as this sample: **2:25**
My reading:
**10:57**
